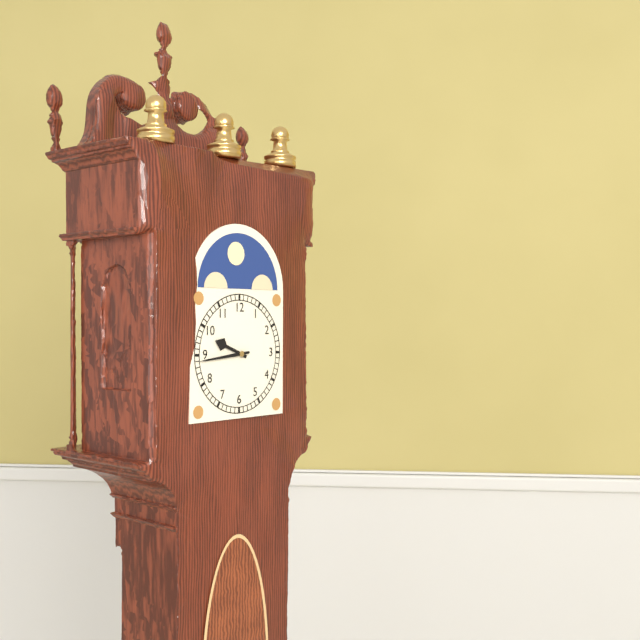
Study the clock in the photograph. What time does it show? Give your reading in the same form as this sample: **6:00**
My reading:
**9:44**
